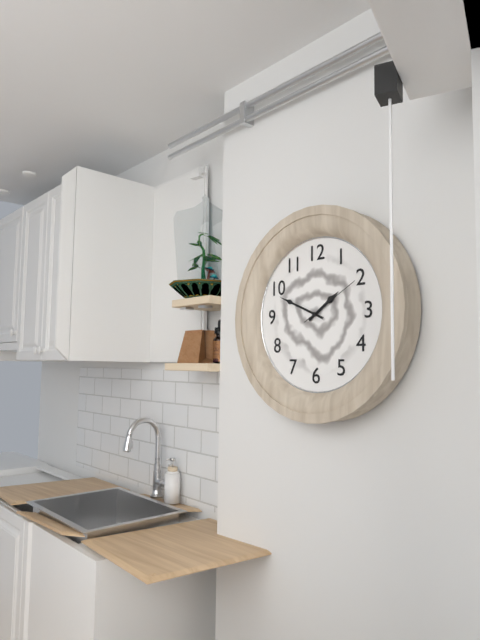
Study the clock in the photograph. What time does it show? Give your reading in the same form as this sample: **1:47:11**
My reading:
**1:49:10**
